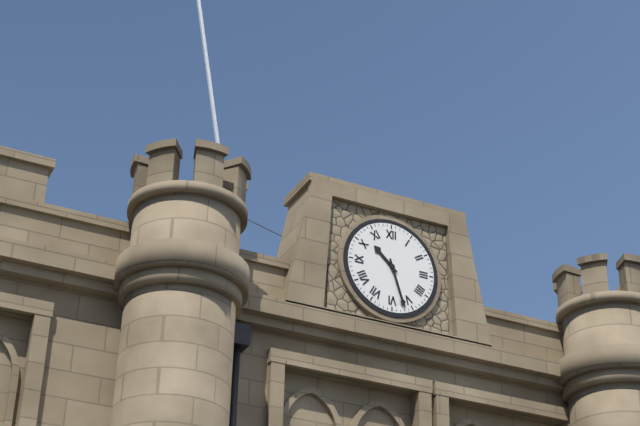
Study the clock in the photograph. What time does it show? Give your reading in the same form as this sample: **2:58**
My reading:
**10:27**
